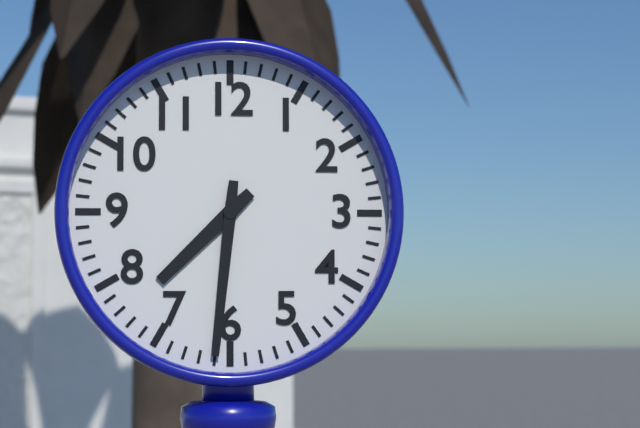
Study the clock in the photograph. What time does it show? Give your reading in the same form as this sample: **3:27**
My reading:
**7:31**
